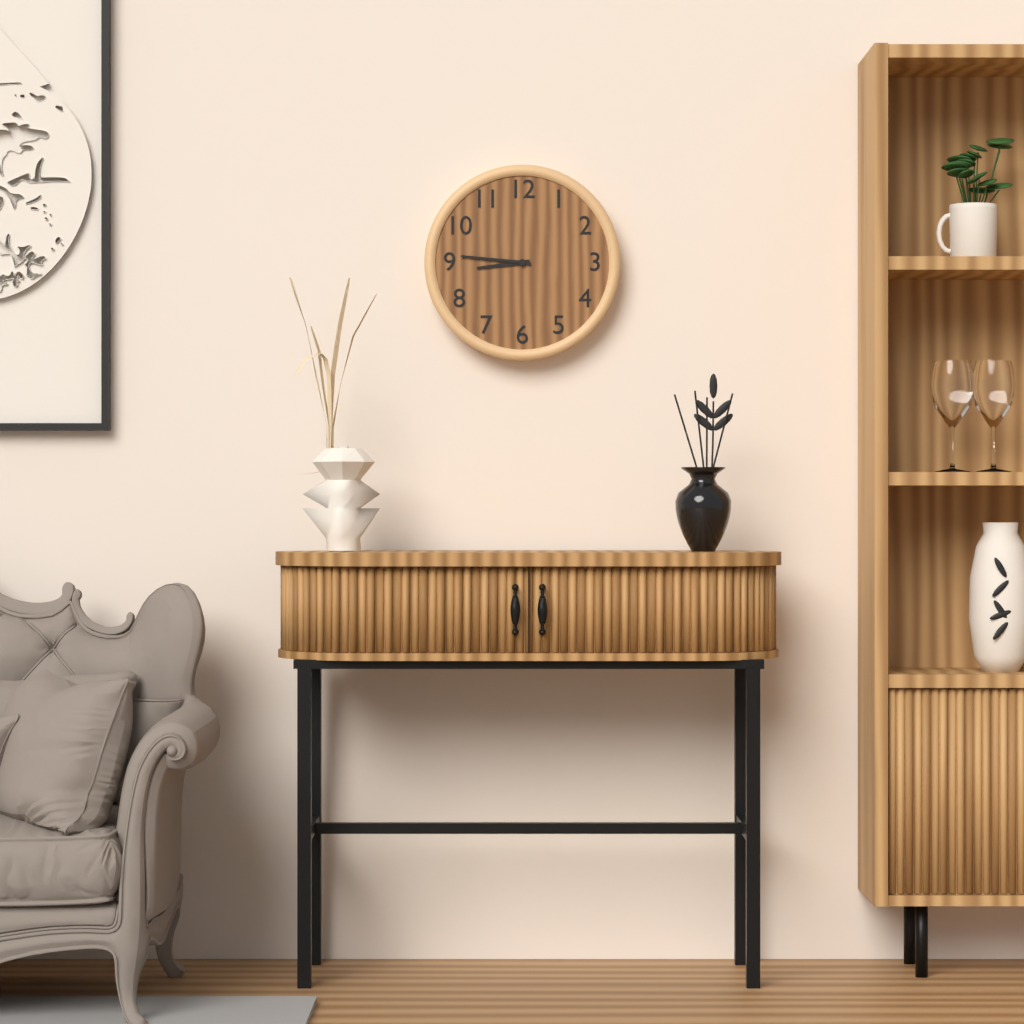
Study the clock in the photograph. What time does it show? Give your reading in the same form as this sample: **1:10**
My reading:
**8:46**
